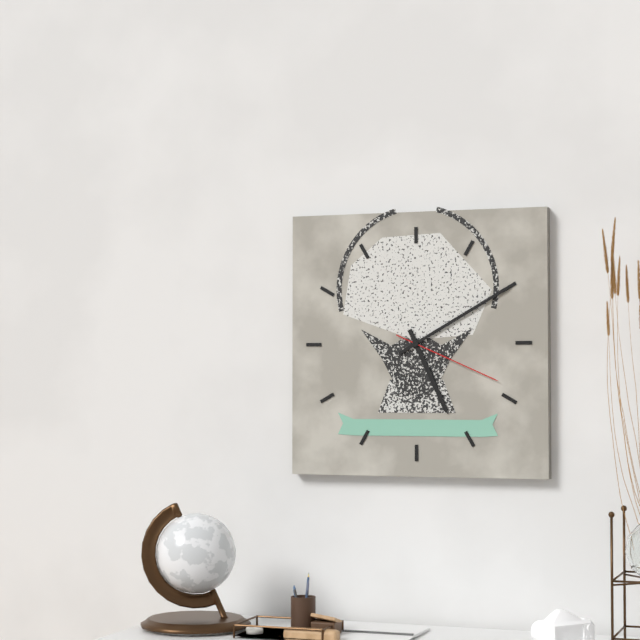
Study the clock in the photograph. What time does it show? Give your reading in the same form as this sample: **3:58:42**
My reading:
**5:10:19**
